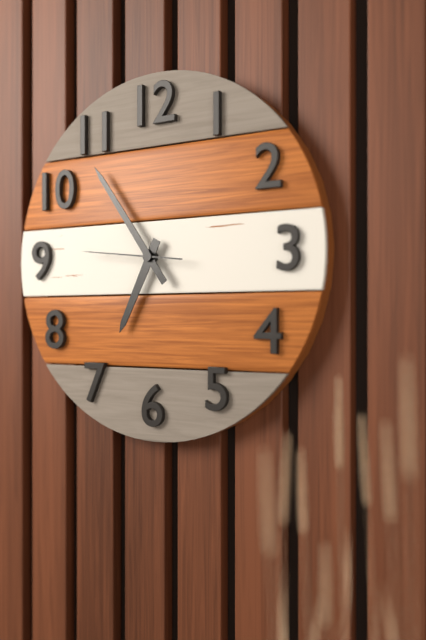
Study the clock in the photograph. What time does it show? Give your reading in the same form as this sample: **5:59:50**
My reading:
**6:54:46**
